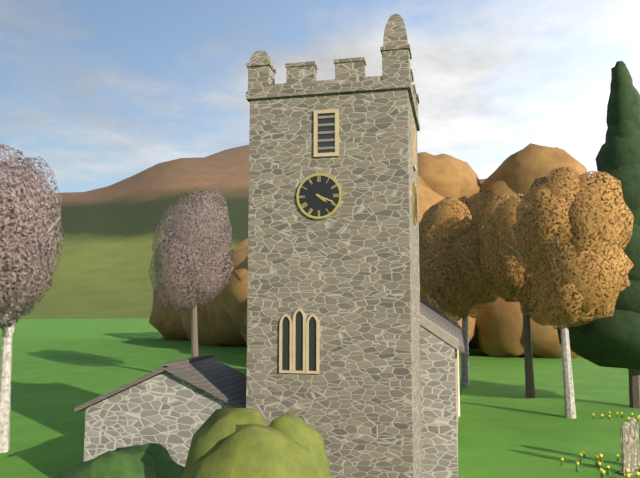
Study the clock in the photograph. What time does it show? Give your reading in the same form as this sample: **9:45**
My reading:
**4:19**
